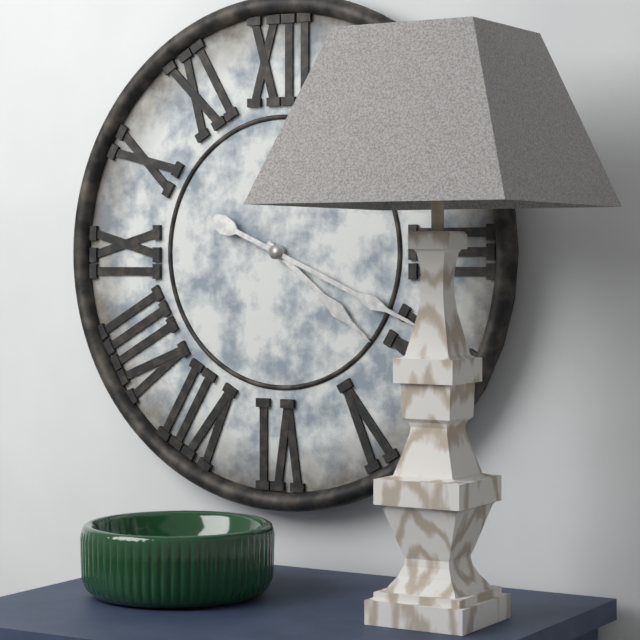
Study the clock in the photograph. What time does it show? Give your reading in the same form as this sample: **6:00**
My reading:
**4:19**
